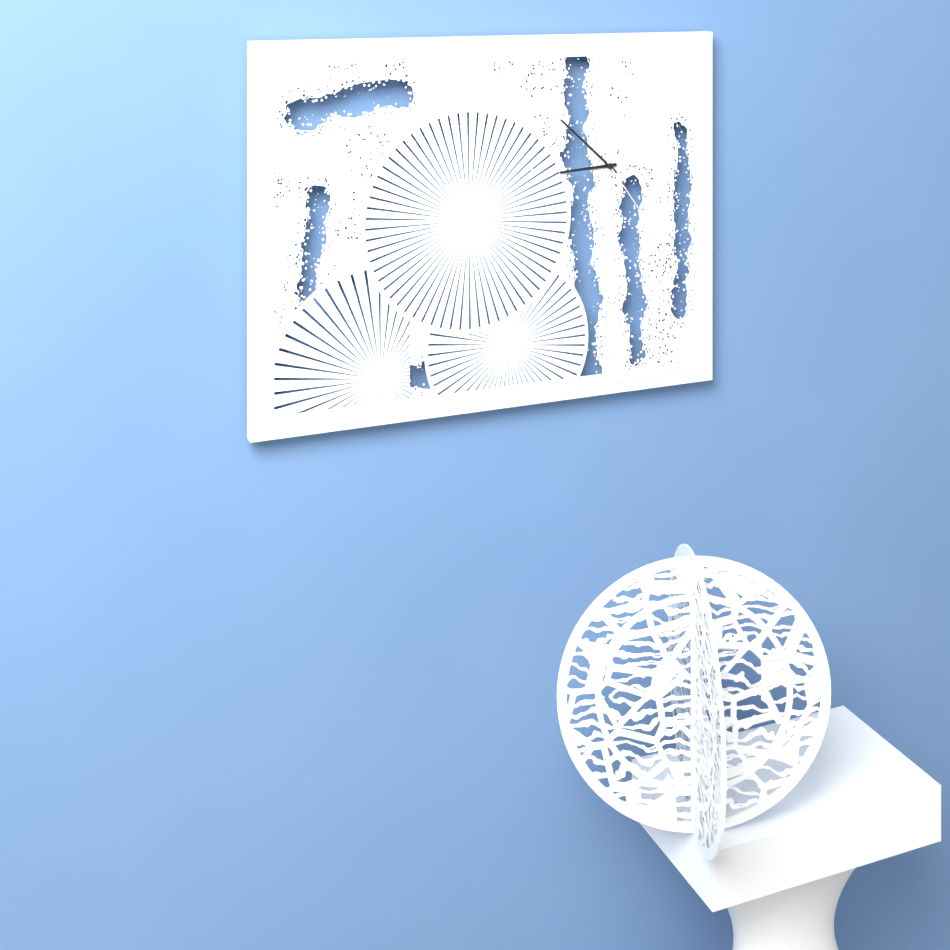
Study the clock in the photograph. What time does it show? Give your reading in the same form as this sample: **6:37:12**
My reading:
**8:52:24**
